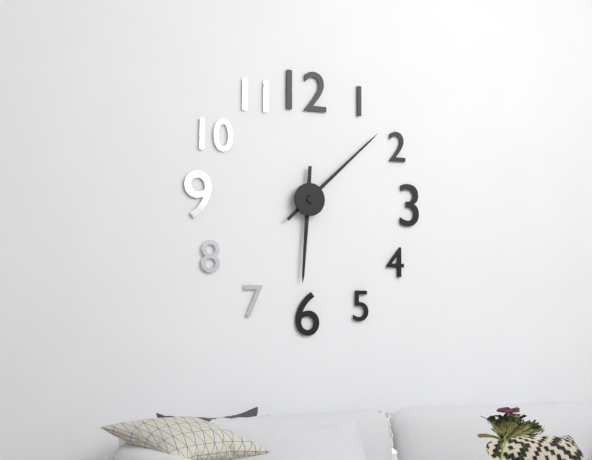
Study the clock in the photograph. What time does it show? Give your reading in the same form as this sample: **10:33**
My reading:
**6:08**
